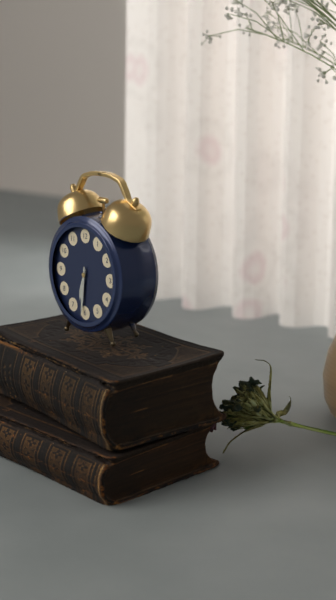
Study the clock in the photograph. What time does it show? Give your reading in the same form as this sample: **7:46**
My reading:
**6:31**
